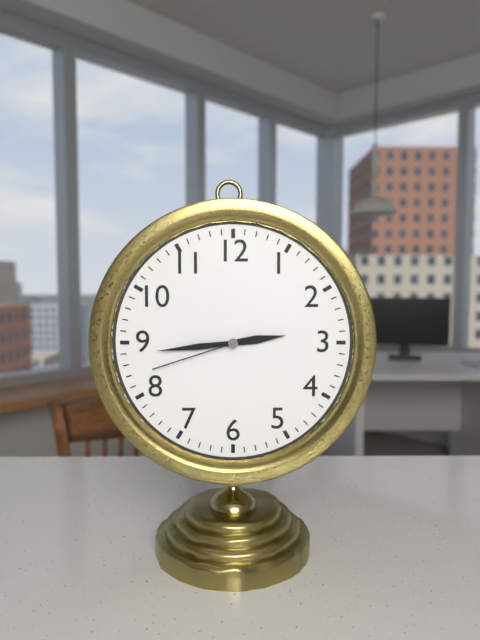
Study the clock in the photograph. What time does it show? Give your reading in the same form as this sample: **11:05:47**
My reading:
**2:44:42**
